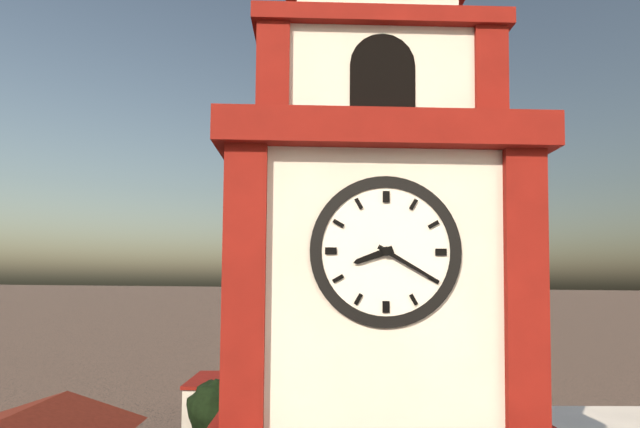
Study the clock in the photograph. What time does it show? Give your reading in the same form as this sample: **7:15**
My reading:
**8:20**
